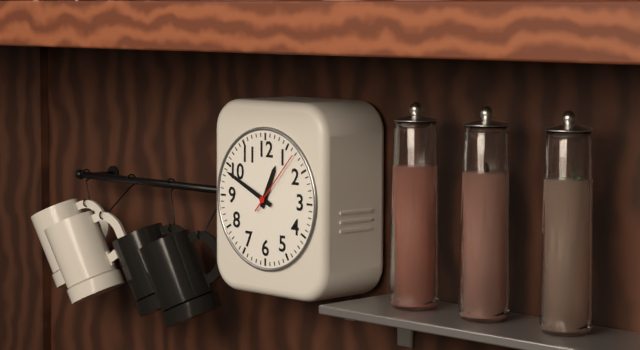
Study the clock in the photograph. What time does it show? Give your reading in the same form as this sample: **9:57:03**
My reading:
**12:49:07**
